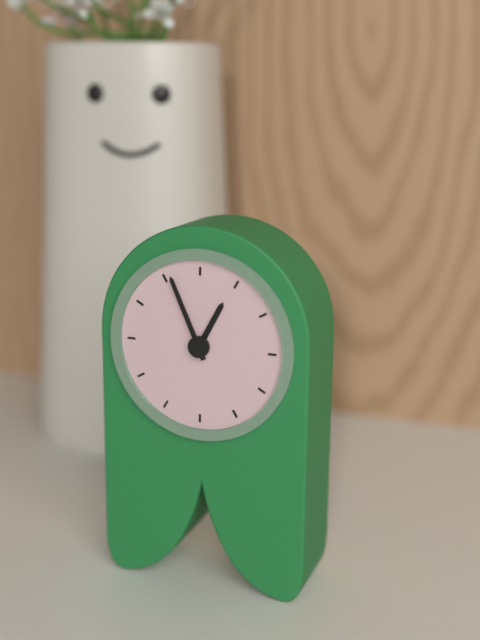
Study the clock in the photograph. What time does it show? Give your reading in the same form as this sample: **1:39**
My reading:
**12:56**
